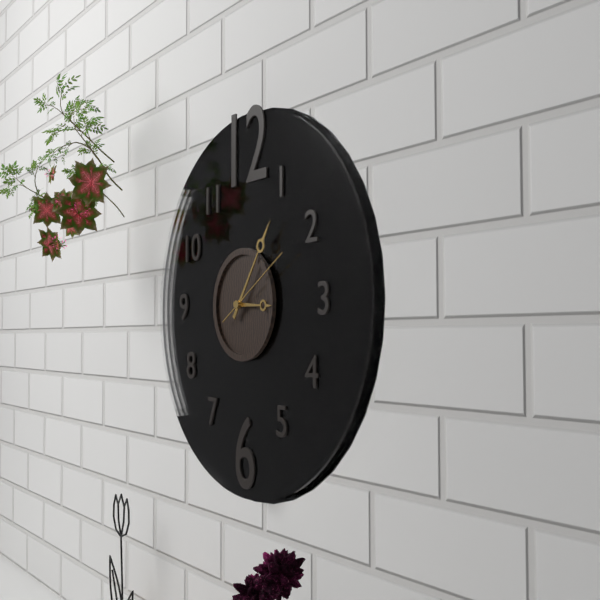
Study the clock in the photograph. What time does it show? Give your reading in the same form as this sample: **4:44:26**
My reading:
**3:06:10**
